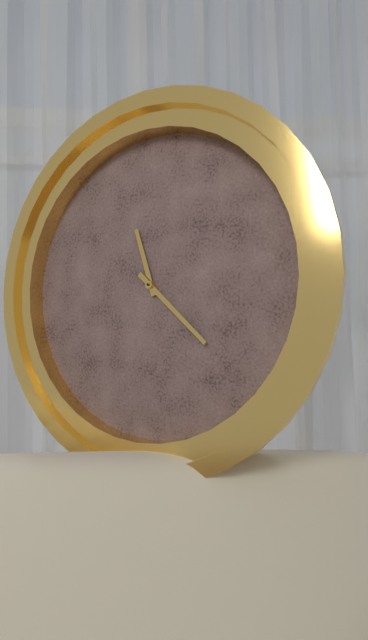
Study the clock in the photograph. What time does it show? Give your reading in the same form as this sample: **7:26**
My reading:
**11:22**
